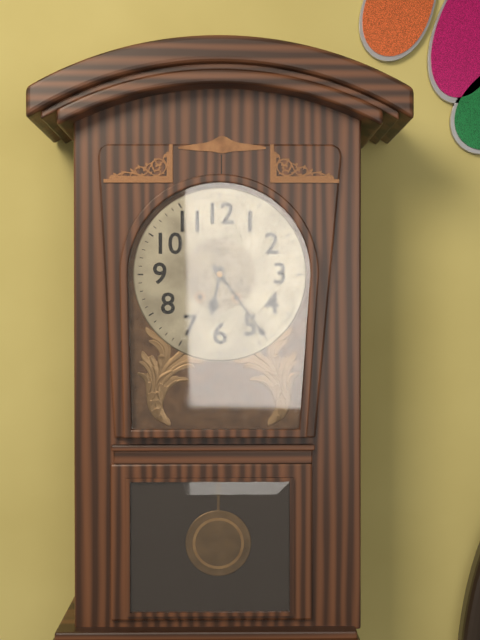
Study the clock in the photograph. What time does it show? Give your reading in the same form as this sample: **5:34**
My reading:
**6:24**
